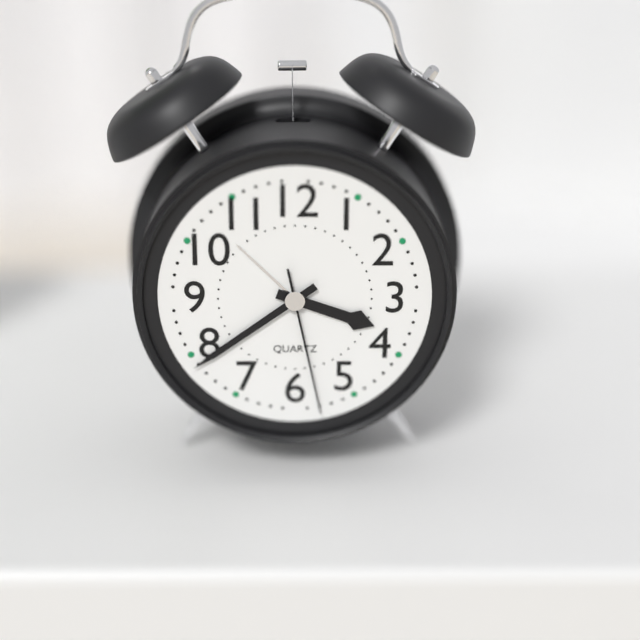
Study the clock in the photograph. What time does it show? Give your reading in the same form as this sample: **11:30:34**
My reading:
**3:39:28**
